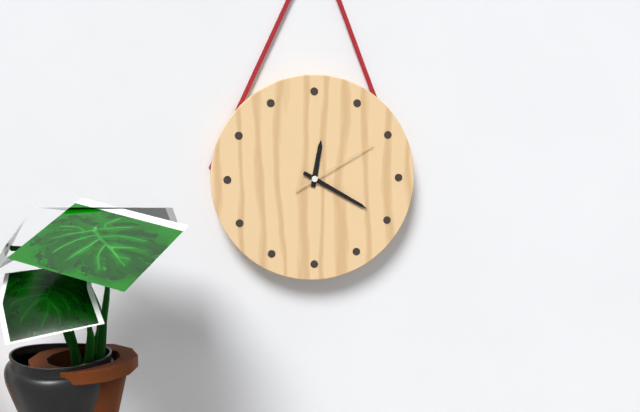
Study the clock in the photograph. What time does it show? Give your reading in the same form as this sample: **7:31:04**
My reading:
**12:20:10**
